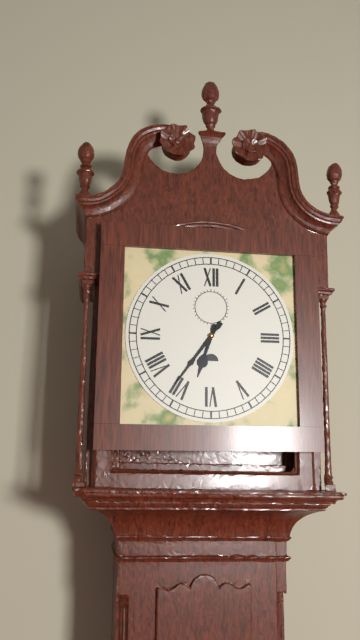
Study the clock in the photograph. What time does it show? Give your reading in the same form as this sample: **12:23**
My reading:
**6:36**
